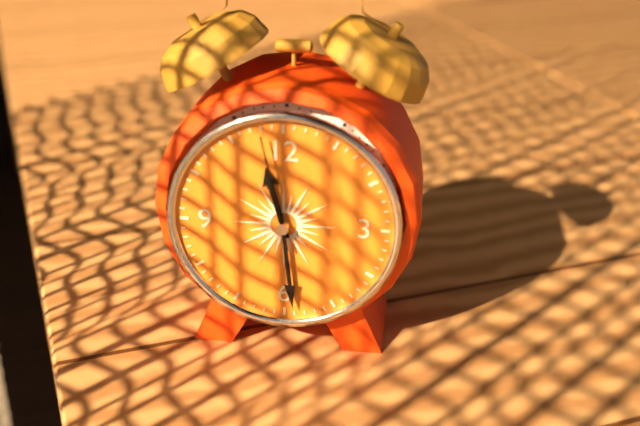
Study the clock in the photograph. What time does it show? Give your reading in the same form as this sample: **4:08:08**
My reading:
**11:29:58**
